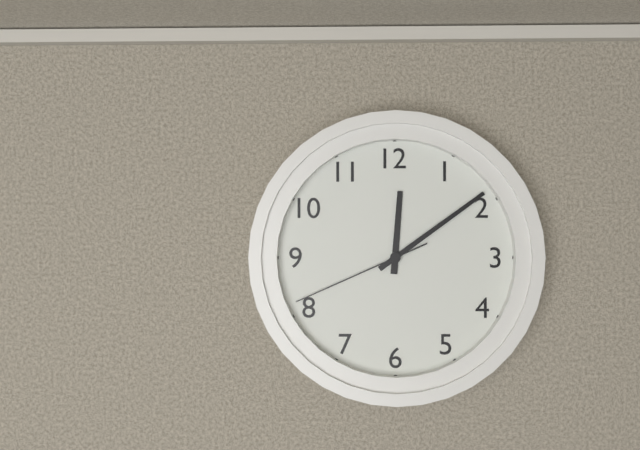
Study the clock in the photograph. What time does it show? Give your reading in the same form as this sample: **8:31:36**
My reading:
**12:09:41**
